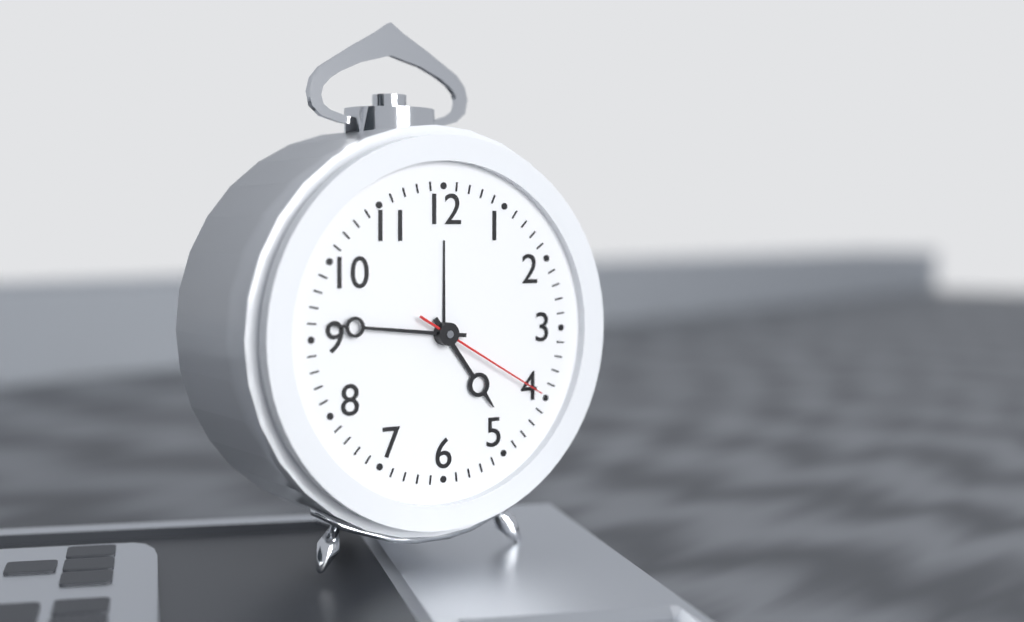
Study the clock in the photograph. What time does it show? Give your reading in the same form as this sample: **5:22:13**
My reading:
**4:46:20**
